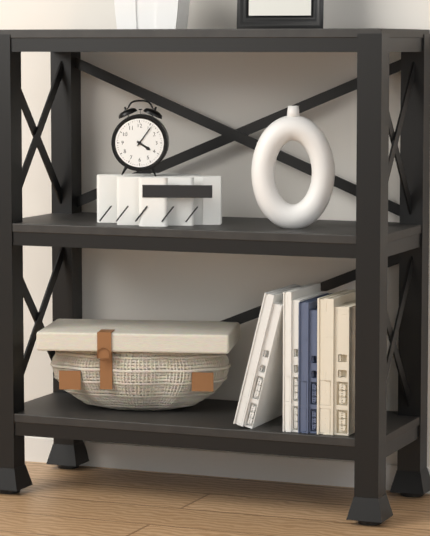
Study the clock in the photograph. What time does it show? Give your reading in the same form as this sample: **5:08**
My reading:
**4:06**
